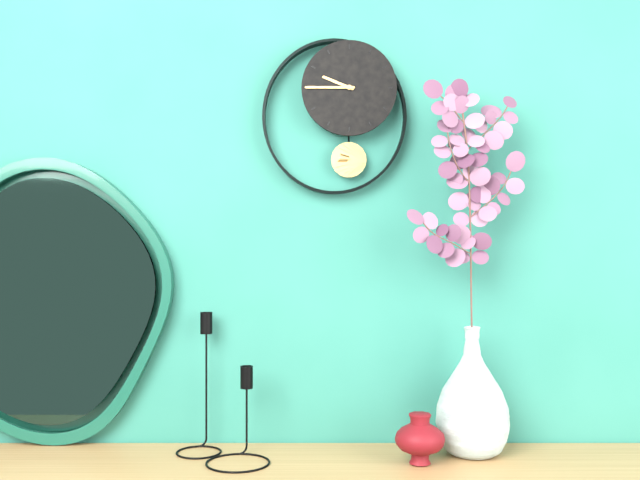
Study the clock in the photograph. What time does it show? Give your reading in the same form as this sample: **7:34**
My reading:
**9:45**
